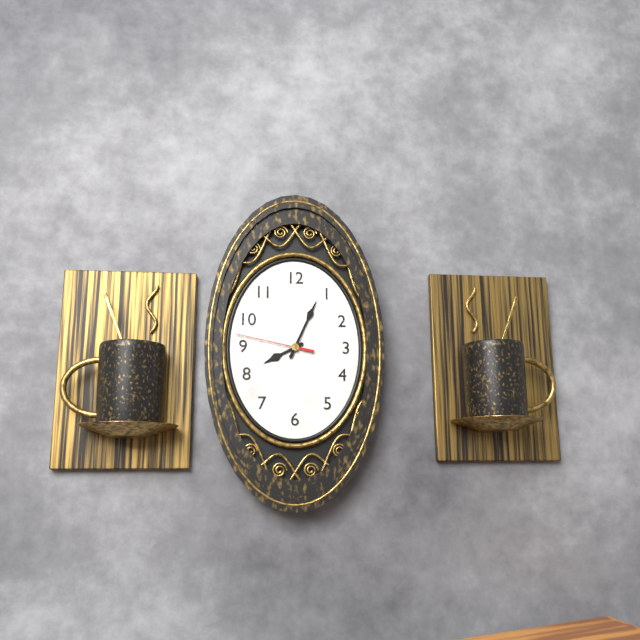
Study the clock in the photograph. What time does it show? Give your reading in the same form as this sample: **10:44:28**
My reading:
**8:04:47**
